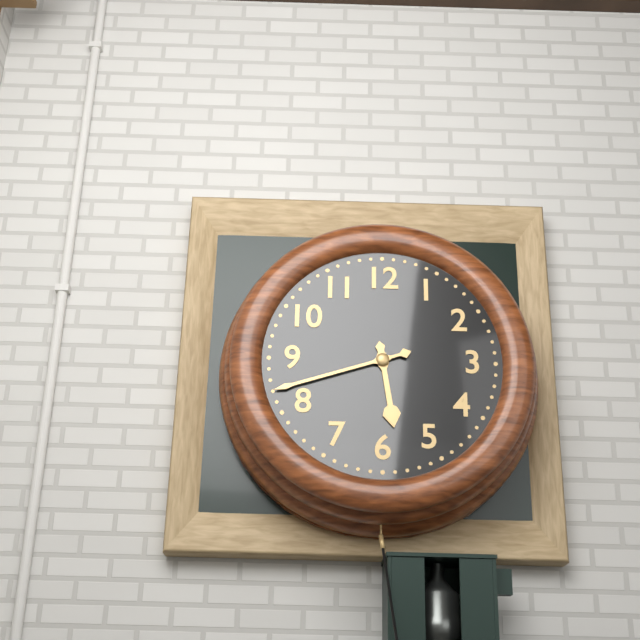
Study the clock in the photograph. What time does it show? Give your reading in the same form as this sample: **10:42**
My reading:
**5:42**
